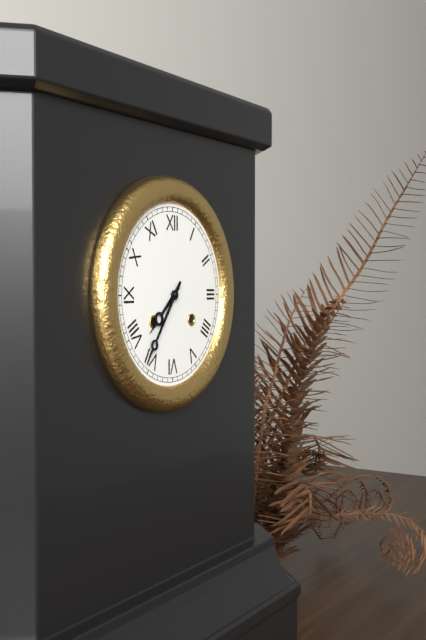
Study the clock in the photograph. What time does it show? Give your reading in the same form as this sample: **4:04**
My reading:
**7:36**
